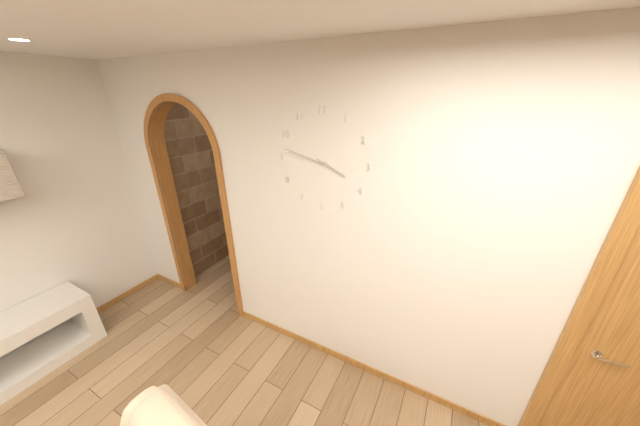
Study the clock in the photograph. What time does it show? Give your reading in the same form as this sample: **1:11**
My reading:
**3:47**
